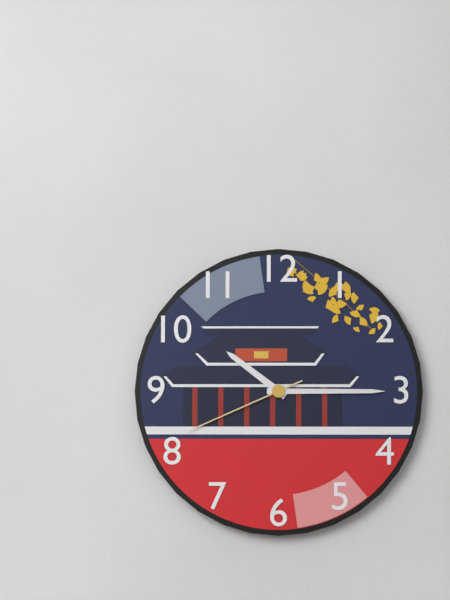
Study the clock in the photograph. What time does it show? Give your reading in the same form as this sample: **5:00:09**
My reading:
**10:15:41**
